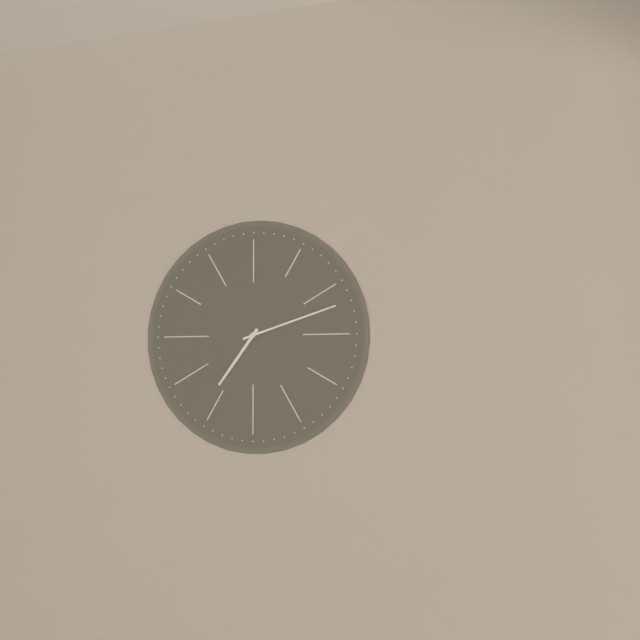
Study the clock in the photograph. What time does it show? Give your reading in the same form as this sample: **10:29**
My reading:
**7:12**
